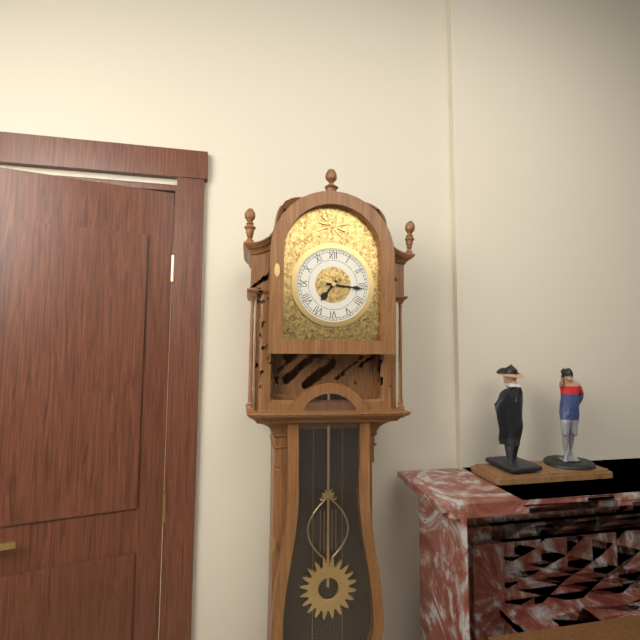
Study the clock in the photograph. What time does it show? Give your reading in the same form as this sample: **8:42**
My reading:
**7:16**
